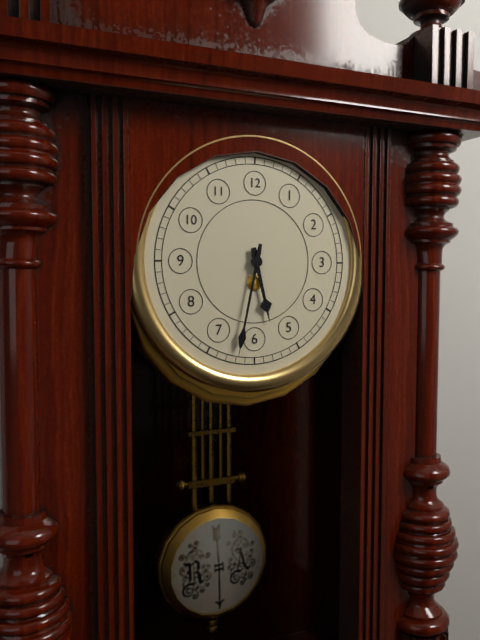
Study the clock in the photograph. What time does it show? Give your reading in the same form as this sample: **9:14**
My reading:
**5:32**
